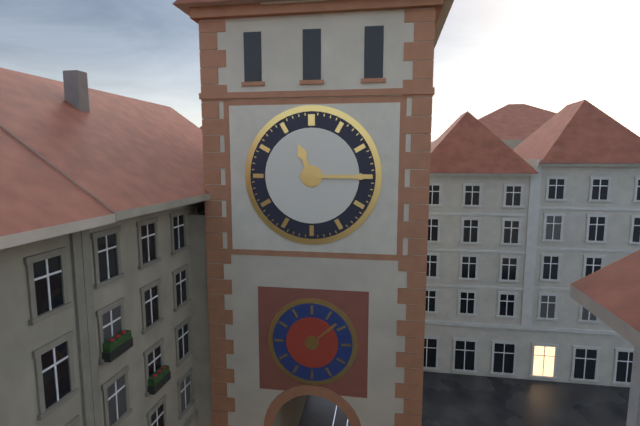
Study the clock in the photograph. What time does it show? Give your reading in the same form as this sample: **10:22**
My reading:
**11:15**
